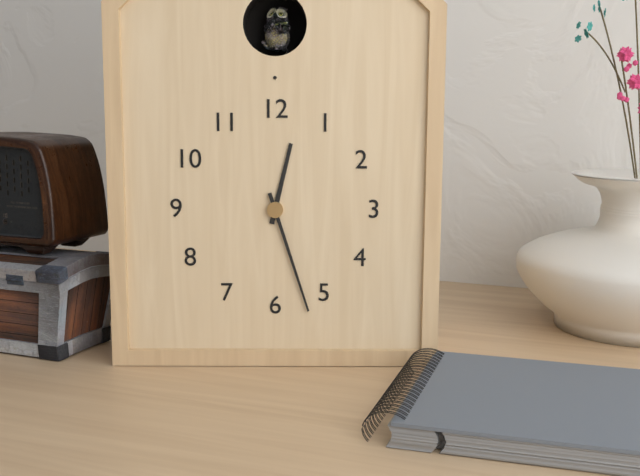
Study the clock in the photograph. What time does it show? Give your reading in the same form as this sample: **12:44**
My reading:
**12:27**
